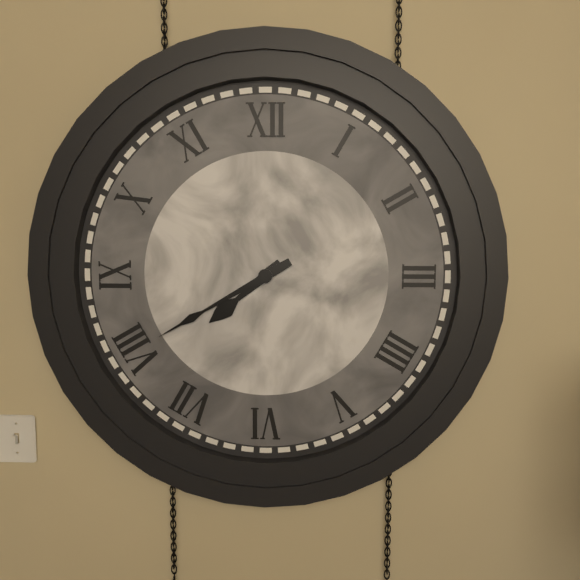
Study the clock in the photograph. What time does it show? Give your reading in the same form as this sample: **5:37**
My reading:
**7:40**
